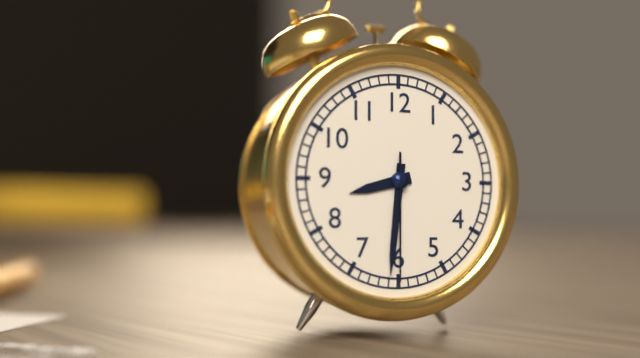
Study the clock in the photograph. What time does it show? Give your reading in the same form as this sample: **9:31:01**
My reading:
**8:31:30**
